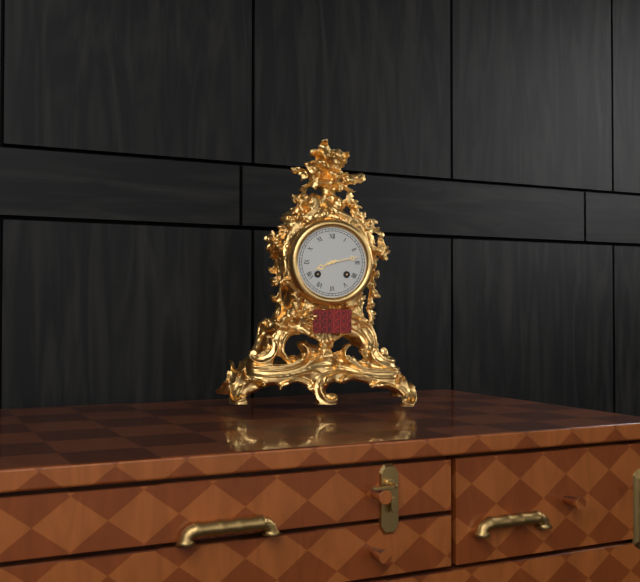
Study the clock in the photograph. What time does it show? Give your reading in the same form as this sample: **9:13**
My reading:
**8:13**
